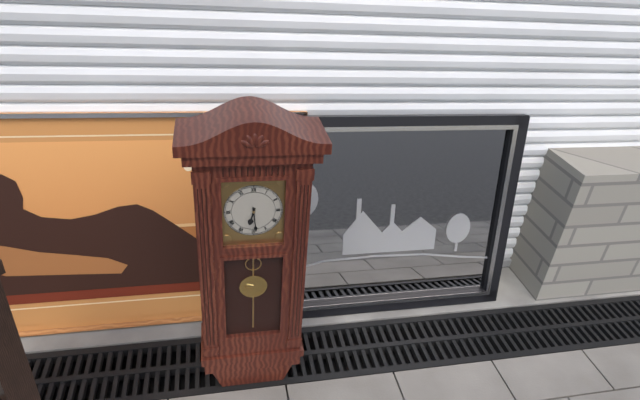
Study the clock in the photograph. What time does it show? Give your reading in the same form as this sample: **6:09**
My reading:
**6:29**
